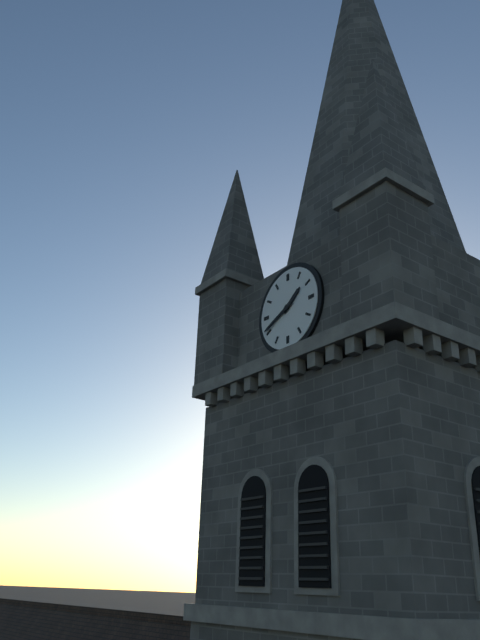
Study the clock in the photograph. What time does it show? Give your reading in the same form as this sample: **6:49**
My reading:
**1:41**
